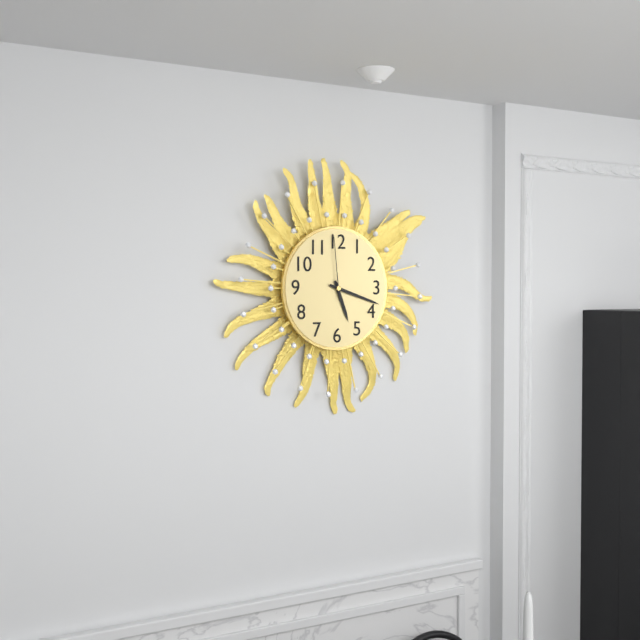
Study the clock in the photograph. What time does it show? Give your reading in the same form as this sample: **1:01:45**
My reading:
**5:18:59**
